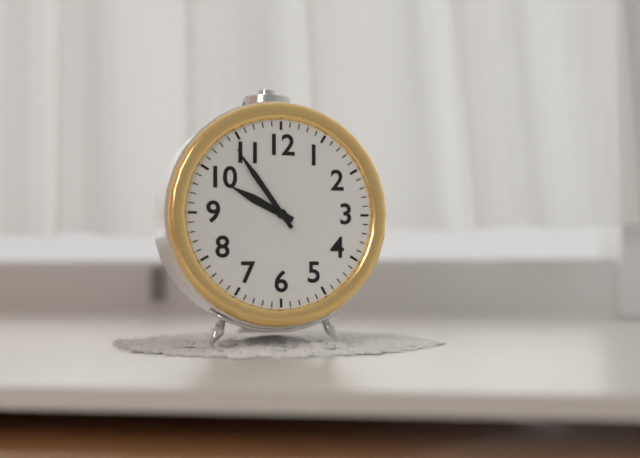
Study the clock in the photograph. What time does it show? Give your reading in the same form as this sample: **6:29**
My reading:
**9:54**
